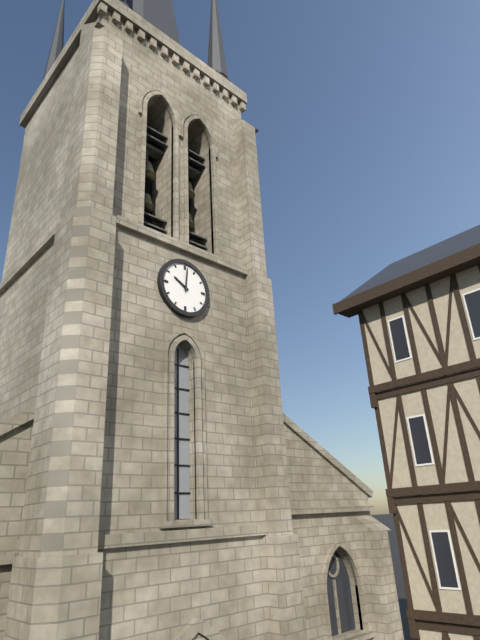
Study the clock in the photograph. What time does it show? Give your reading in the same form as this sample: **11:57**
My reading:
**10:01**
